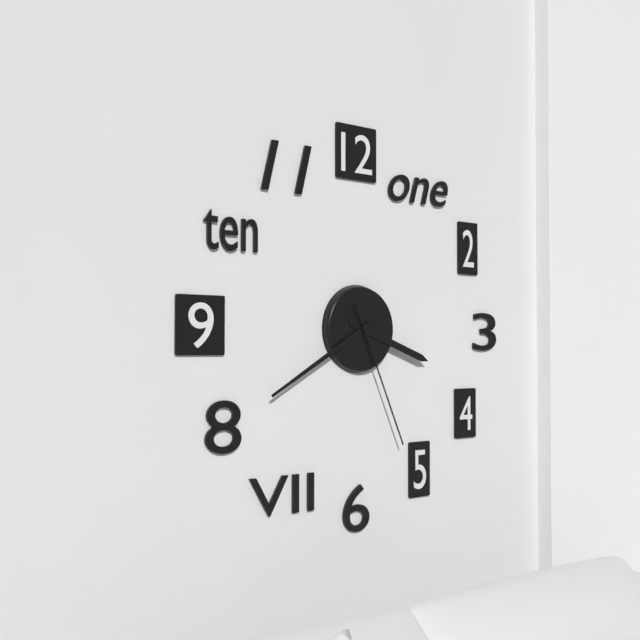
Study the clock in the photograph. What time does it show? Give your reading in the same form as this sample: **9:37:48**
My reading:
**3:40:26**
